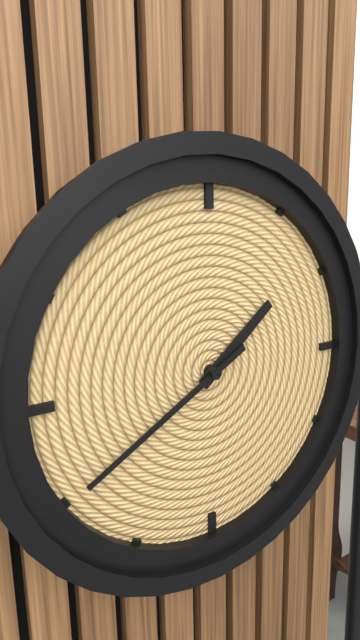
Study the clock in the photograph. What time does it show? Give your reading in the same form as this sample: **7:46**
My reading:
**1:40**
